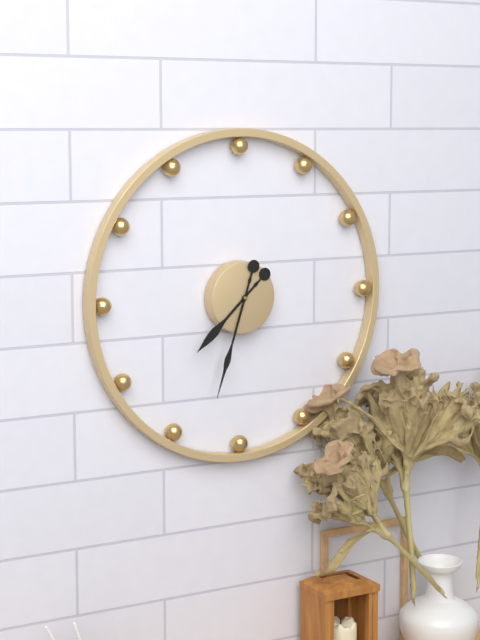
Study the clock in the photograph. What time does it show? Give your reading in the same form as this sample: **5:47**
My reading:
**7:33**
